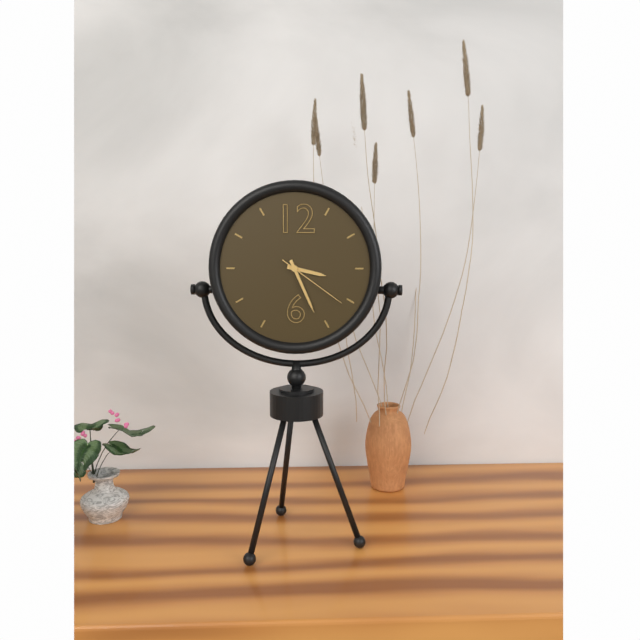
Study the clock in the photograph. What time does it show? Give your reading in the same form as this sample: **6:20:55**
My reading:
**3:26:21**
